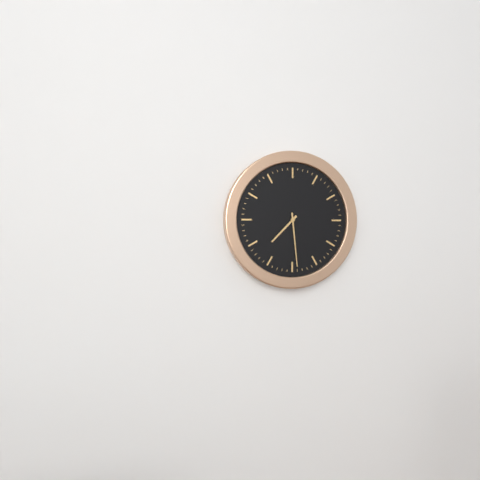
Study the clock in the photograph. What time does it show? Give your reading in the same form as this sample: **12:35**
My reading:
**7:29**
